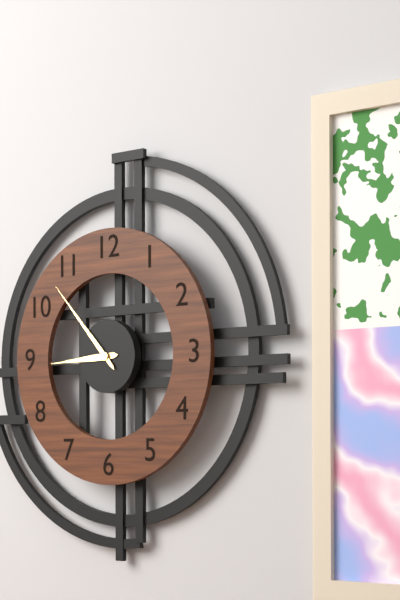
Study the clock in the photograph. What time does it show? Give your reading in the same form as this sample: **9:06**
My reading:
**8:53**
